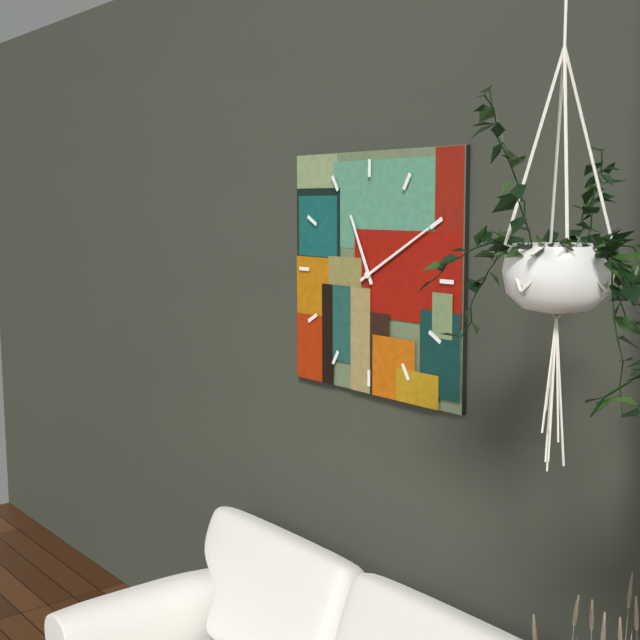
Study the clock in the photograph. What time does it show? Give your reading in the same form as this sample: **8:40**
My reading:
**11:10**
